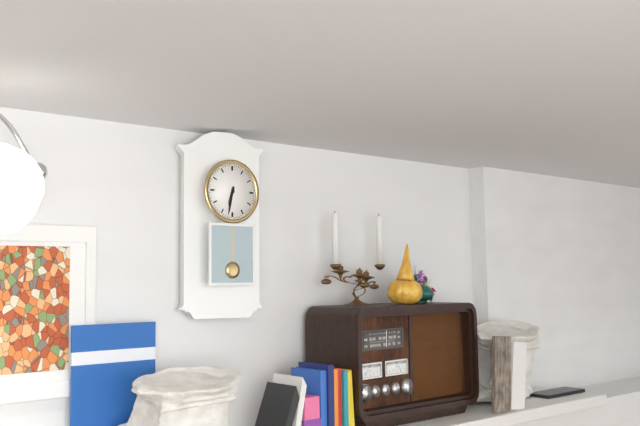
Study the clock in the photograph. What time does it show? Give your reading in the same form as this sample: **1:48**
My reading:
**6:32**
